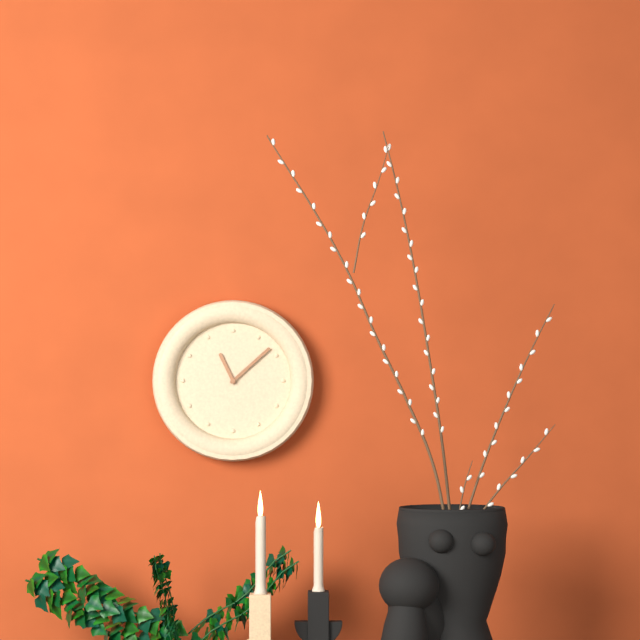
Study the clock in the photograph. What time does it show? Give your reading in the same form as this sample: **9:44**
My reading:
**11:08**
